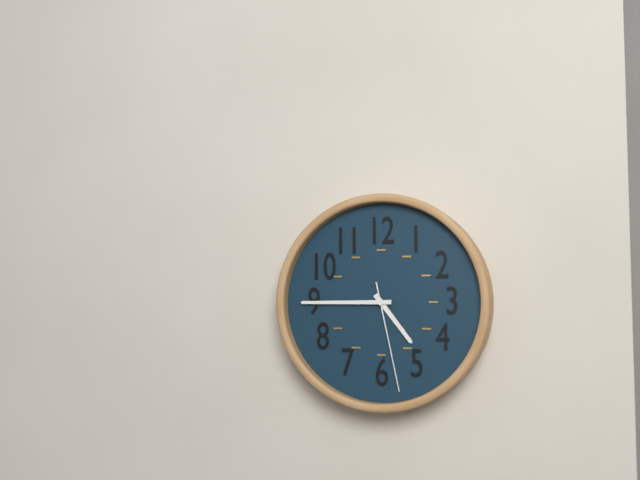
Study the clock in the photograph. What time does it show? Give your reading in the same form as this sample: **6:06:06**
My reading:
**4:45:28**
